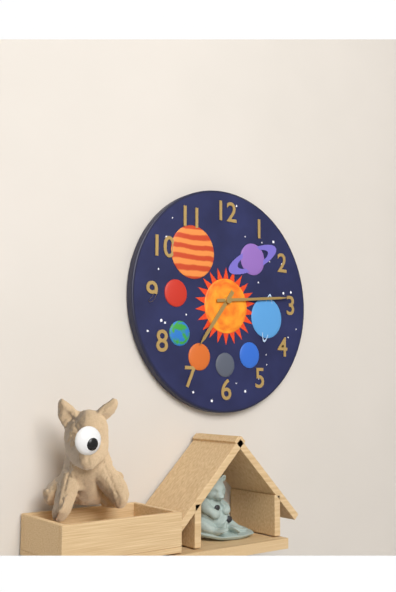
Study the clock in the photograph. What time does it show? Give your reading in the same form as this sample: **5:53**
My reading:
**7:14**
